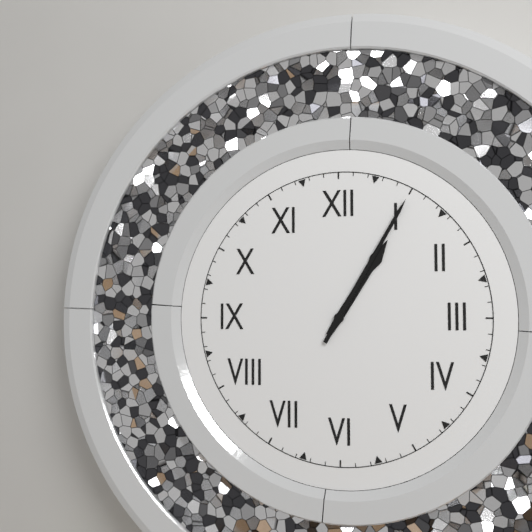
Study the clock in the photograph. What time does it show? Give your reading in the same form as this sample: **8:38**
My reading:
**1:05**
